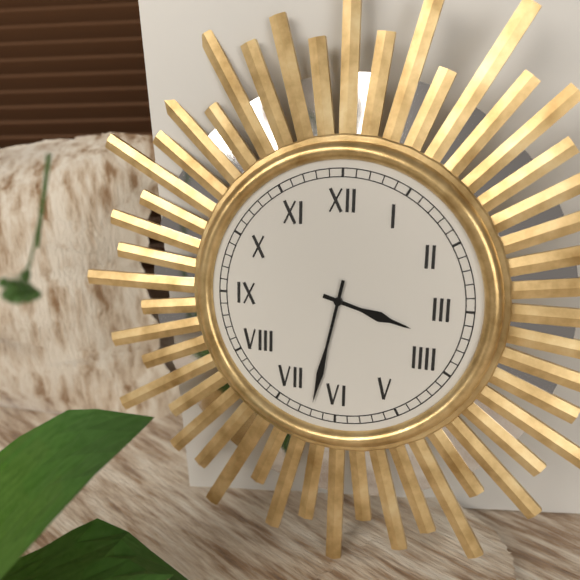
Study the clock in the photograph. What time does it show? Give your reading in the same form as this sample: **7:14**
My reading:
**3:32**
